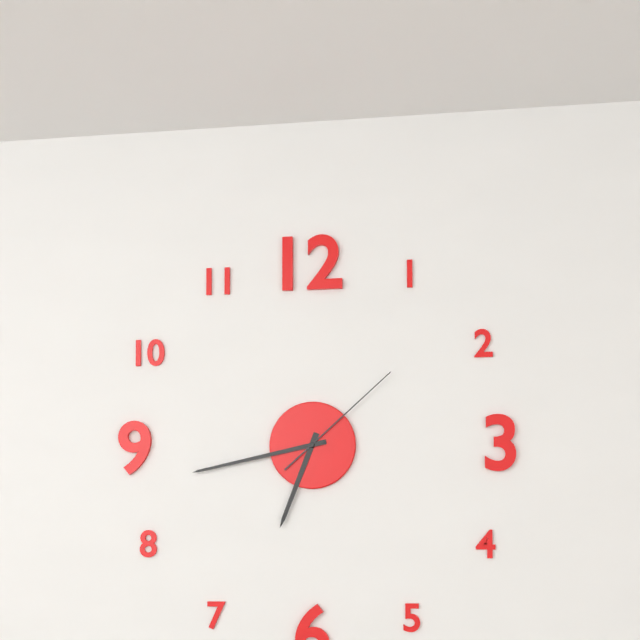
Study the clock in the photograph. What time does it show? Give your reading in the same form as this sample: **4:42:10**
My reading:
**6:43:08**
